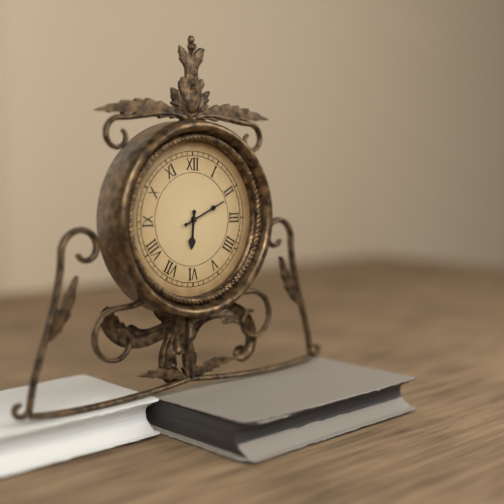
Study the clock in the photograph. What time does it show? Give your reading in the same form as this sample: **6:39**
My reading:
**6:11**
